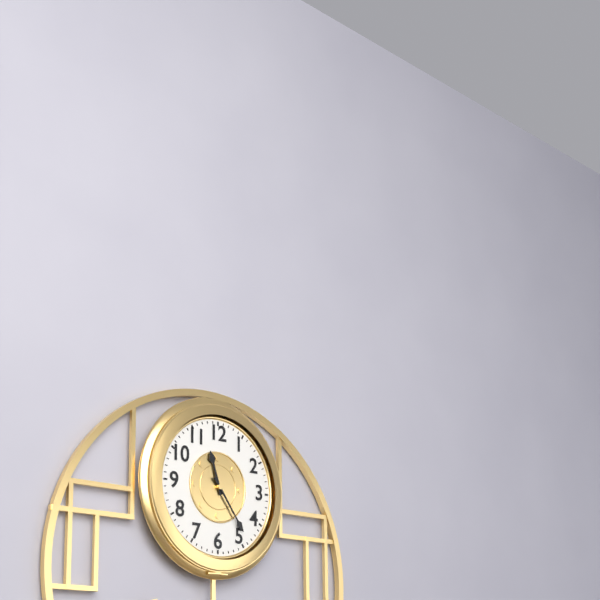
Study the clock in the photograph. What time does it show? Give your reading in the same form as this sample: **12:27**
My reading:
**11:24**
